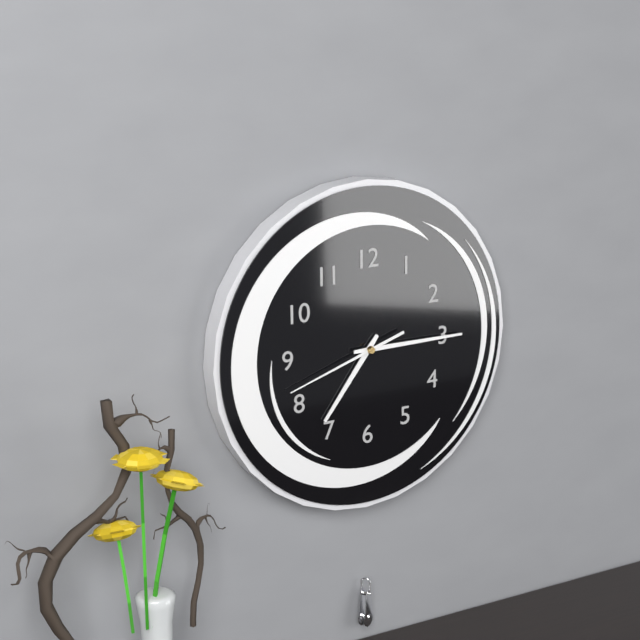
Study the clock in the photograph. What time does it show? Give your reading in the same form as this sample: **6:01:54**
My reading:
**7:15:42**
